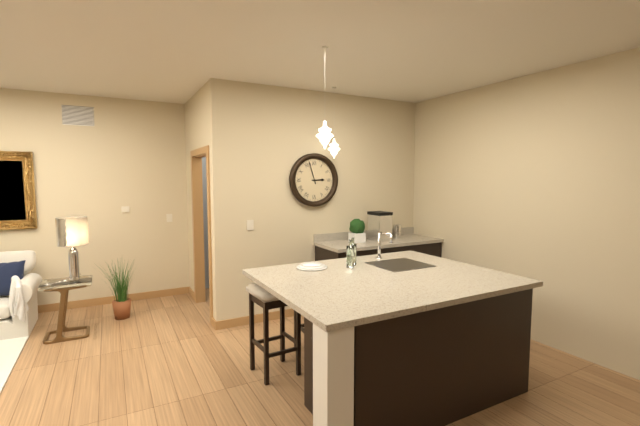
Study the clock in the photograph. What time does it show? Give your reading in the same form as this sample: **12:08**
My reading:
**2:57**
